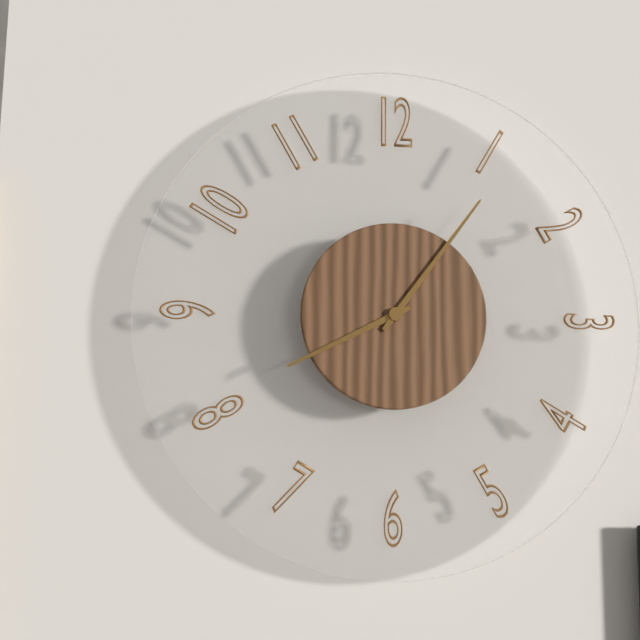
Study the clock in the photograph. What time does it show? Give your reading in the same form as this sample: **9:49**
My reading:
**8:06**
